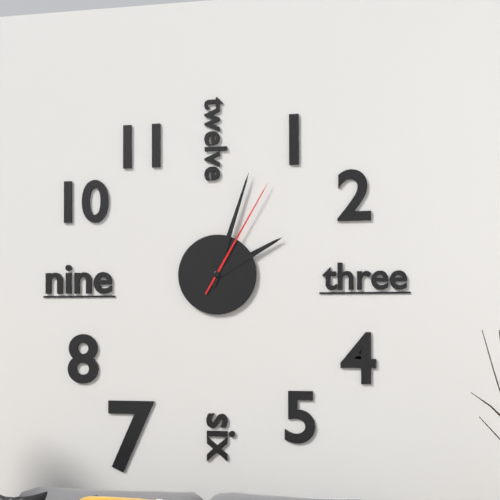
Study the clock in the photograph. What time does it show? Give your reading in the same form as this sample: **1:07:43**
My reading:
**2:03:05**
